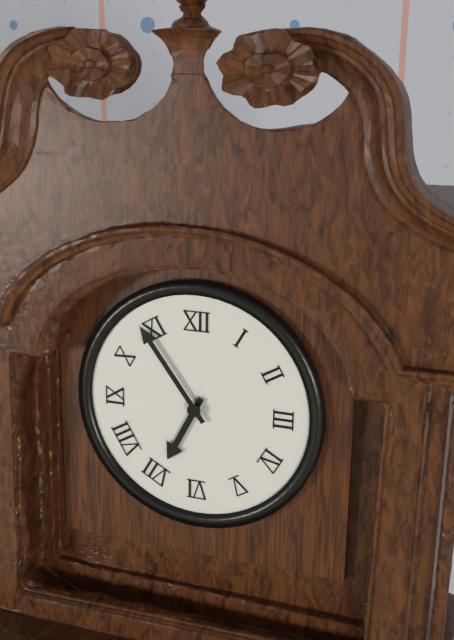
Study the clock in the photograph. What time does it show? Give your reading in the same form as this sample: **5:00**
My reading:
**6:54**
